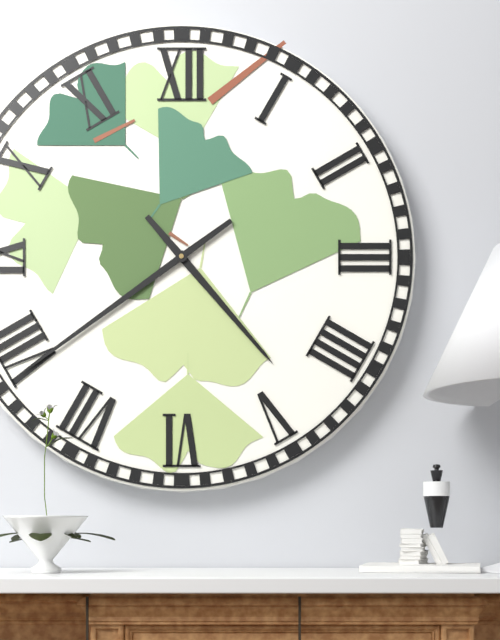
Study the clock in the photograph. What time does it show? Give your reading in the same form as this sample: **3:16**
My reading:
**4:39**
